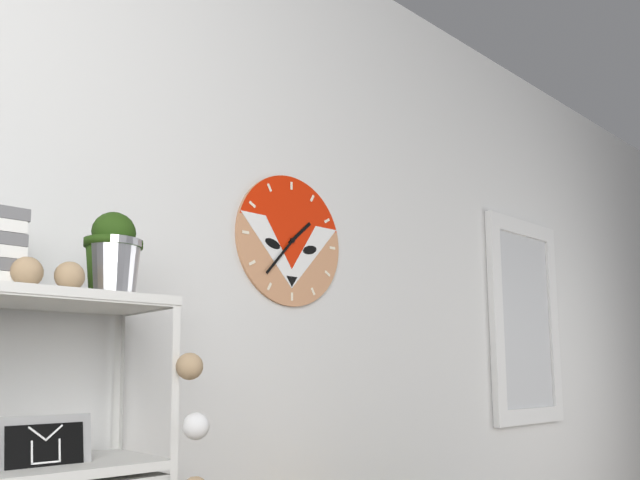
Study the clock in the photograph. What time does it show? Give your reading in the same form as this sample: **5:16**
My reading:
**1:37**
